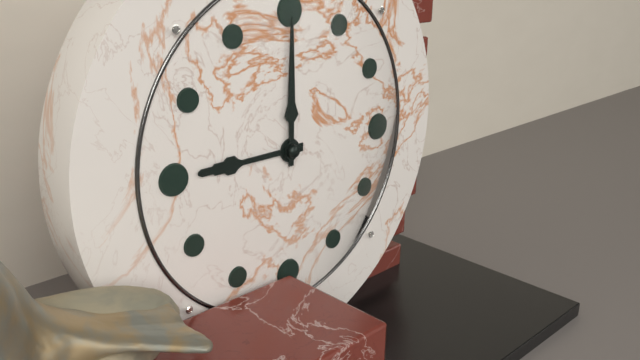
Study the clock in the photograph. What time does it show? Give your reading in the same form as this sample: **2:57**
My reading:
**9:00**
